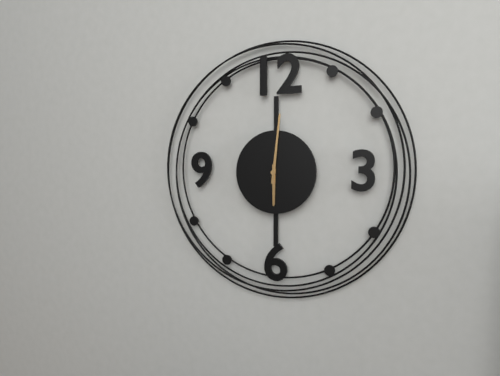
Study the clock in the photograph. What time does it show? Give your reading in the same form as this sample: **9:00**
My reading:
**6:01**
